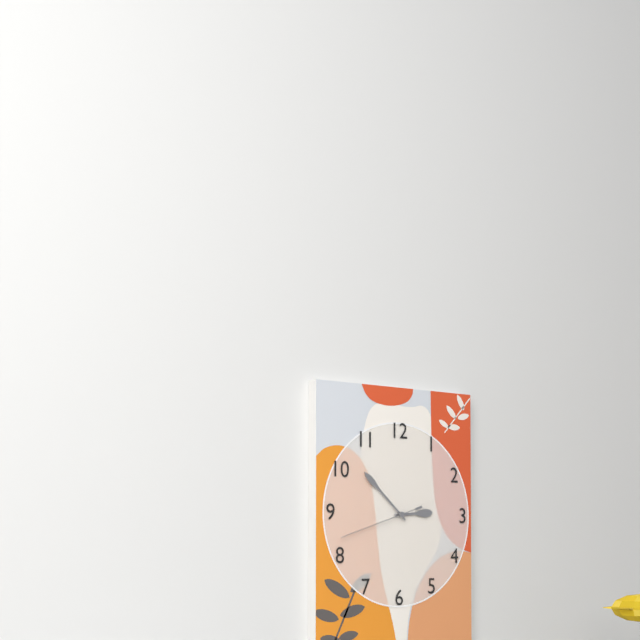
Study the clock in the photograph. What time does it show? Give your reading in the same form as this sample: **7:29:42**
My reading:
**2:52:42**
